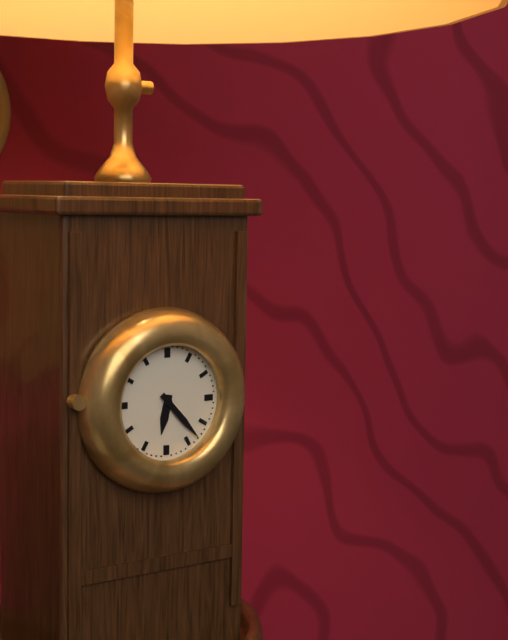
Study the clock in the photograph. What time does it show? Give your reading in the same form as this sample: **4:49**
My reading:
**6:23**
